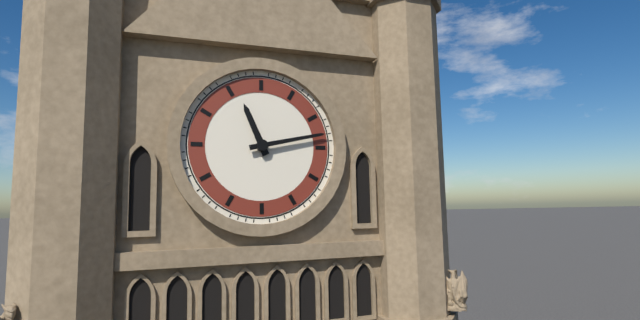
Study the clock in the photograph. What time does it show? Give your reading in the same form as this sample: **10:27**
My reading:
**11:13**
